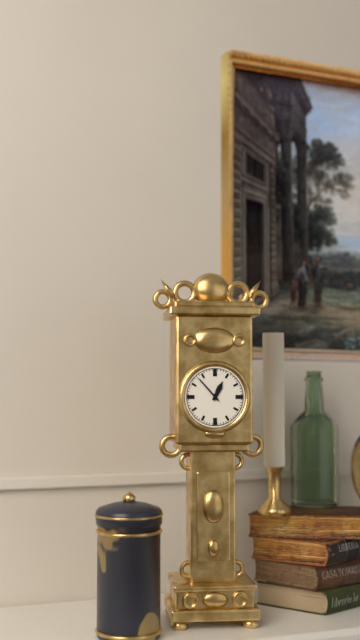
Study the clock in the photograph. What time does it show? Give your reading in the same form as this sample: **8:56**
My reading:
**12:53**
